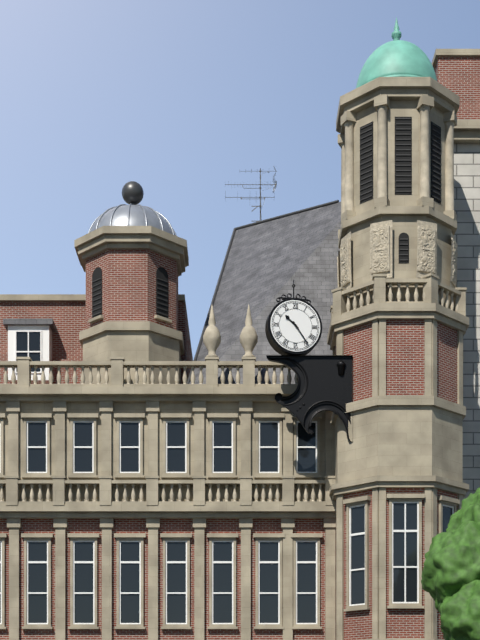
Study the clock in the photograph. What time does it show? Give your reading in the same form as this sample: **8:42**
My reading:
**10:24**
